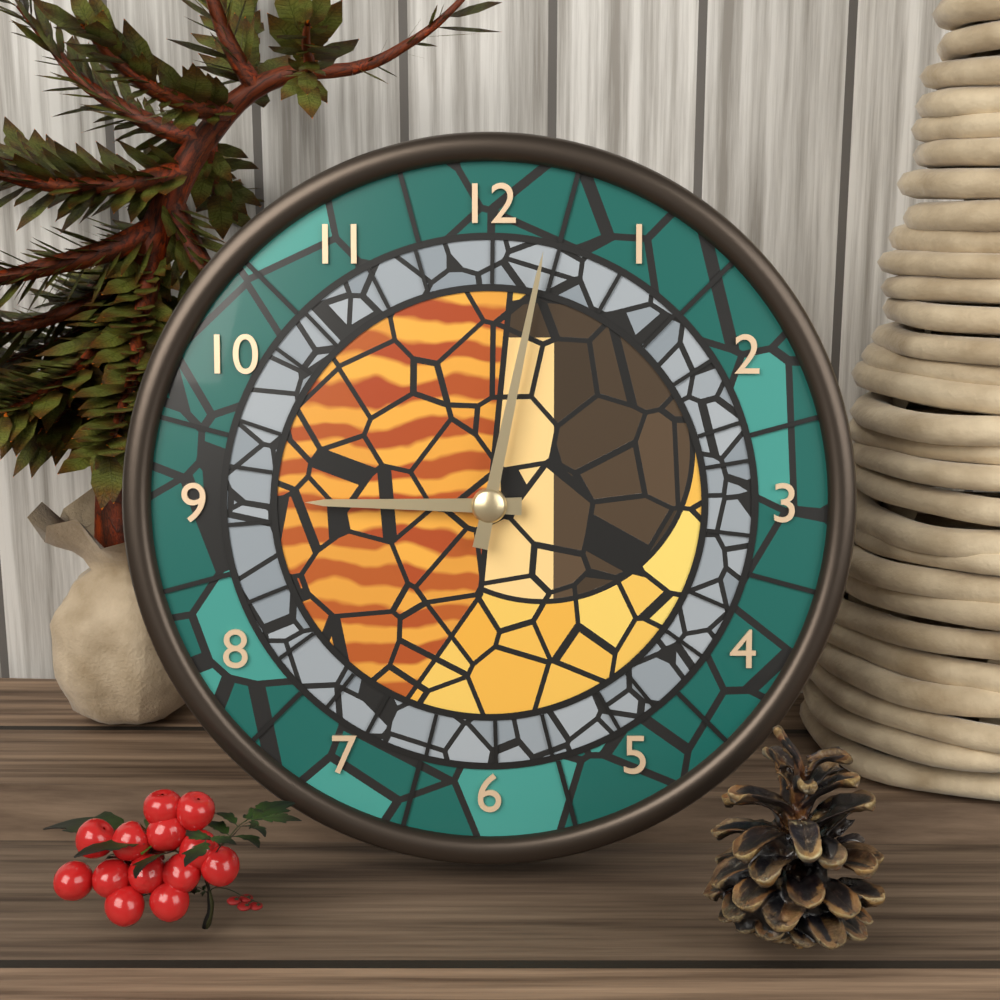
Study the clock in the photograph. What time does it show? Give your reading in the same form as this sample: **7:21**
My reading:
**9:02**
